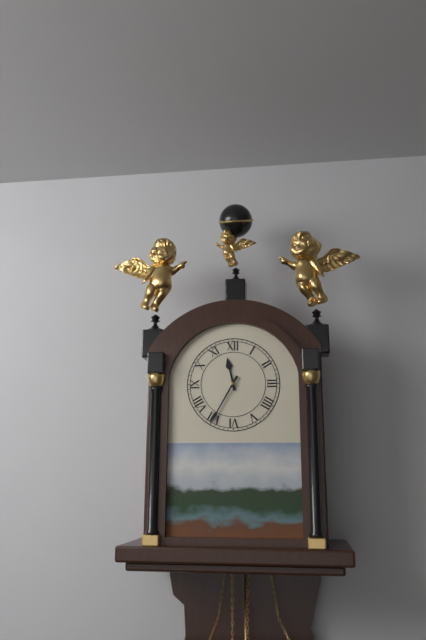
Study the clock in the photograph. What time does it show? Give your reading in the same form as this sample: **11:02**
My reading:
**11:35**
